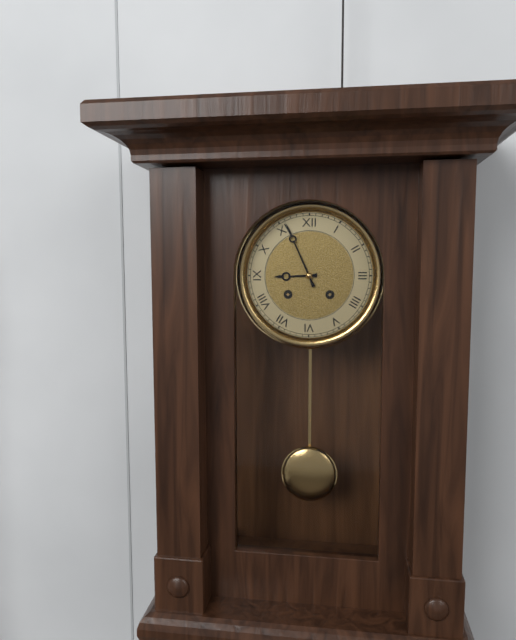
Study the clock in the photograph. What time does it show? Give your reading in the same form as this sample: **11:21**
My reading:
**8:56**
